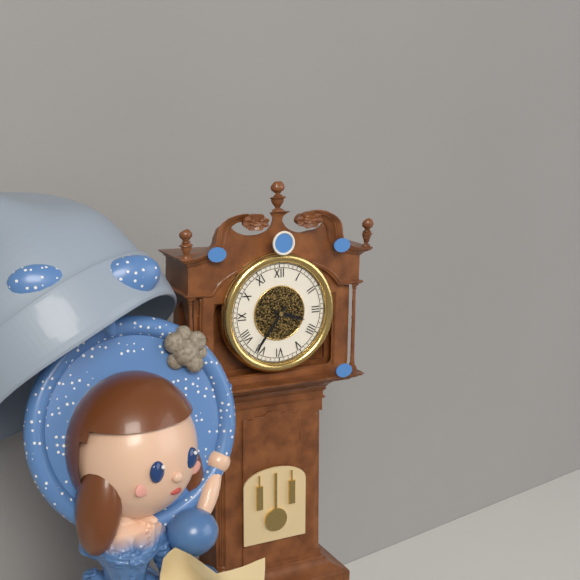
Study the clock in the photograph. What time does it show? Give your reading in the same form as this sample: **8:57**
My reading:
**3:36**
